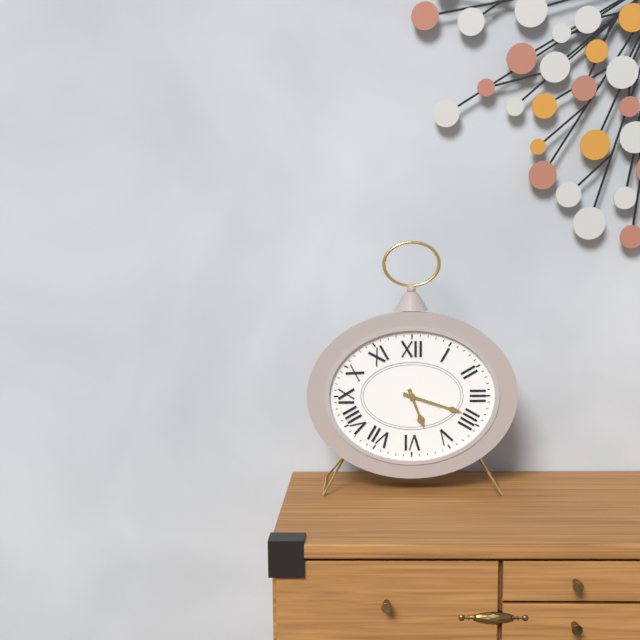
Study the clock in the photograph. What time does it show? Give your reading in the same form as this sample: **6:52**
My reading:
**5:18**
